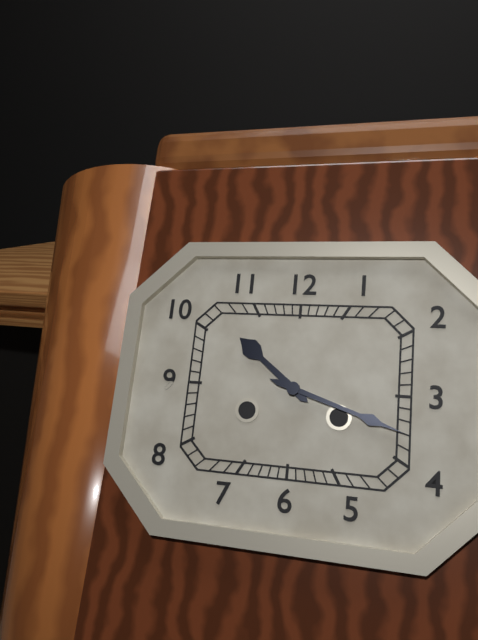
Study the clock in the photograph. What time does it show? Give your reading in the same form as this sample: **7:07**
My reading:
**10:18**
